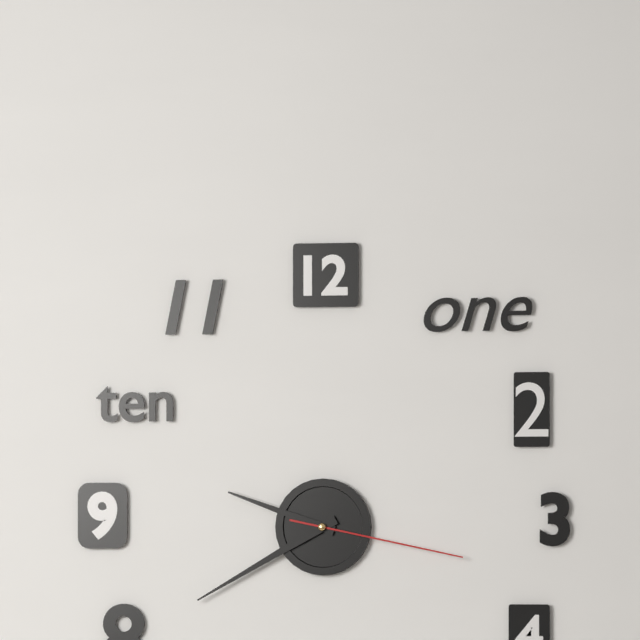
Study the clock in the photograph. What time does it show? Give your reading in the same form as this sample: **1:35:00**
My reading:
**9:40:17**
